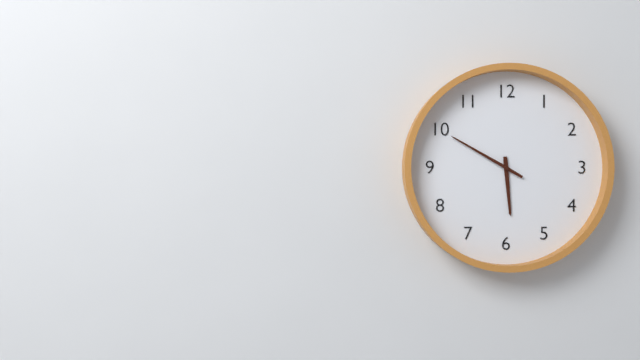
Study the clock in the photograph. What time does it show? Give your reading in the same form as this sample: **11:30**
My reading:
**5:50**
